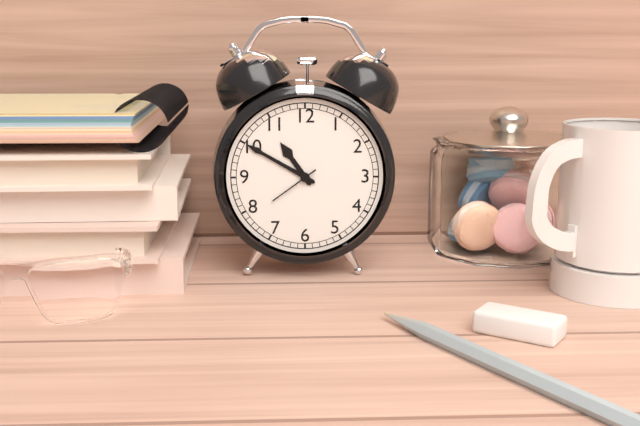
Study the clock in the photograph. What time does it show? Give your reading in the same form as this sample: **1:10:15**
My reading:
**10:50:39**
